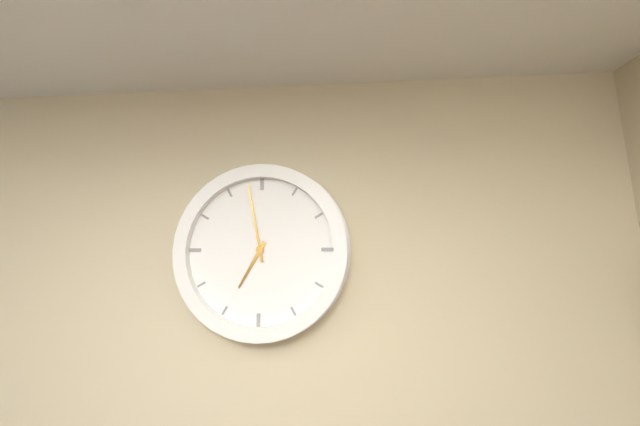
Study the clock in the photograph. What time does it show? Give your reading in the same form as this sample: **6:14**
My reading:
**6:58**
